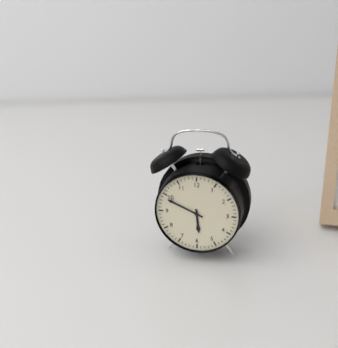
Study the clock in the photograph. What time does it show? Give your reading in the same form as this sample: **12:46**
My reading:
**5:49**
